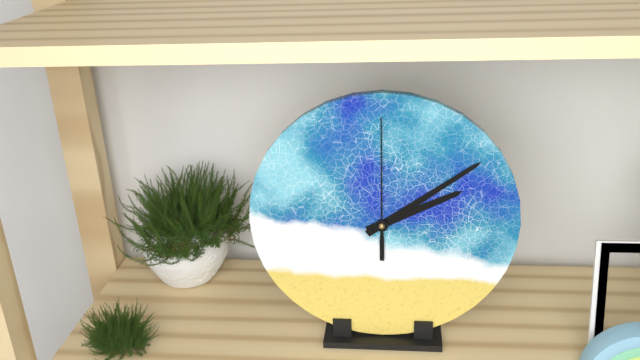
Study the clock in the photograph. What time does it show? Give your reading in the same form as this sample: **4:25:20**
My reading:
**2:09:00**
